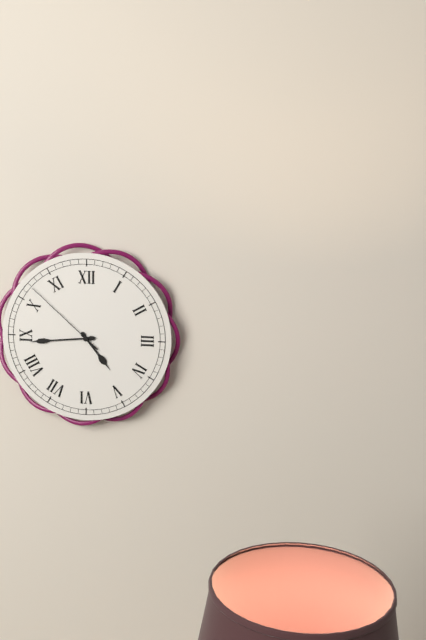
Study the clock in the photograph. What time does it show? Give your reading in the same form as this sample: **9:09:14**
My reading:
**4:44:52**
